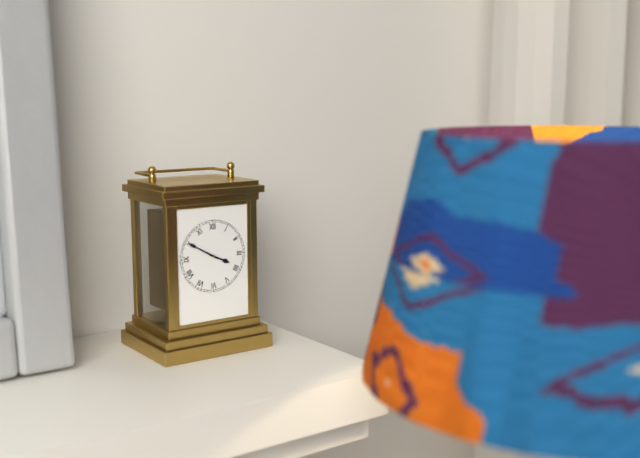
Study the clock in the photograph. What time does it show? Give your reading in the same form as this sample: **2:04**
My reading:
**3:50**
